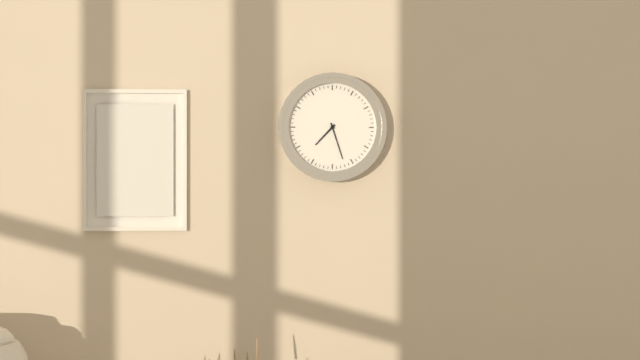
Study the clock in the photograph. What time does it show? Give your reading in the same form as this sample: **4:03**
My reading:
**7:27**
